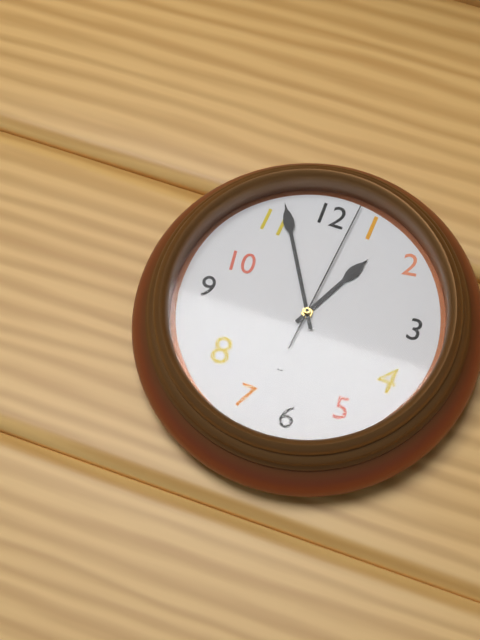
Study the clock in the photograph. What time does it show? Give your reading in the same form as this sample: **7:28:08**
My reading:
**12:55:01**
